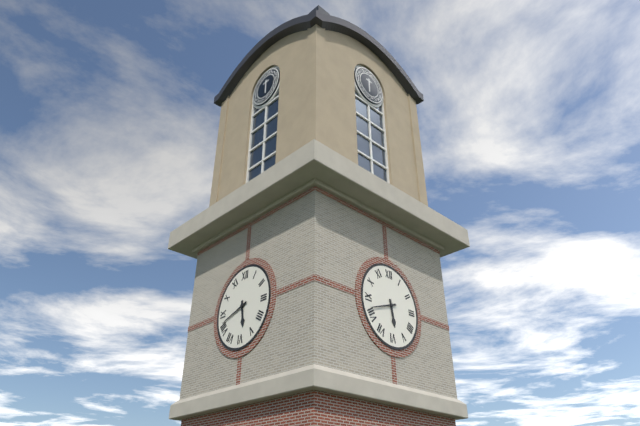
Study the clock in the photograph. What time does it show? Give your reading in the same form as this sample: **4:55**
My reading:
**5:42**
